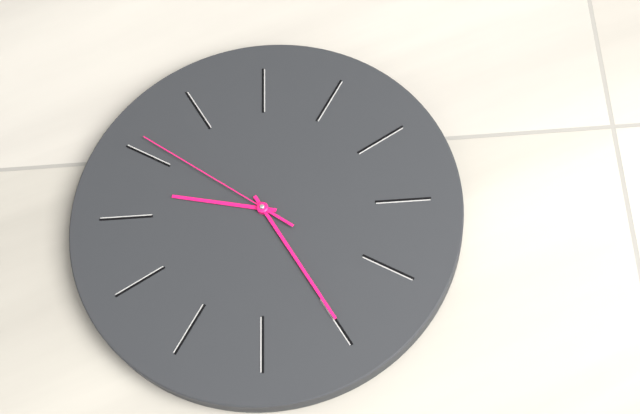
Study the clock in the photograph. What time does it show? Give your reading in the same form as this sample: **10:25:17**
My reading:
**9:25:51**
